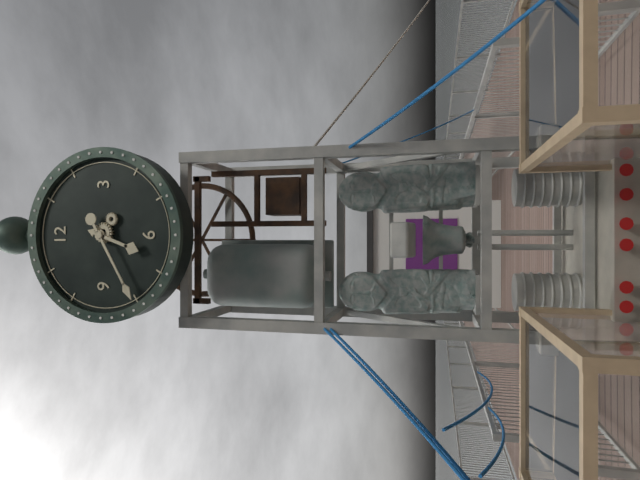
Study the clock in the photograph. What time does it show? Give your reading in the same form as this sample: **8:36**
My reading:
**6:40**
